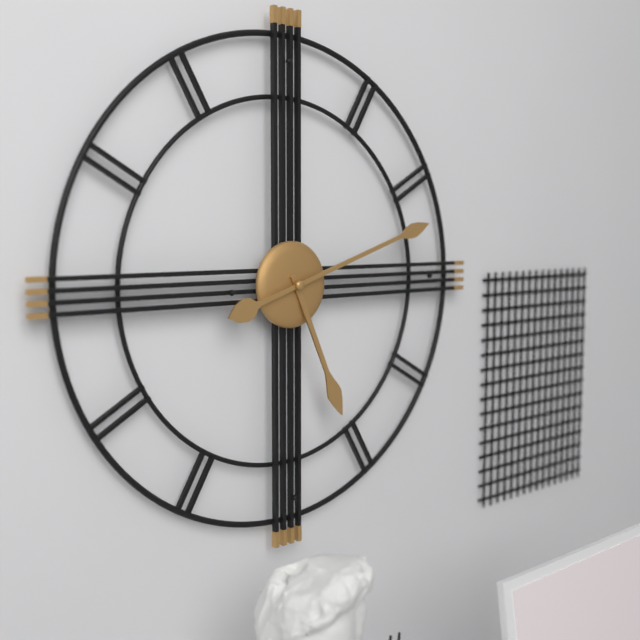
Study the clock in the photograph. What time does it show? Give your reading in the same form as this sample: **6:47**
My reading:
**5:12**
